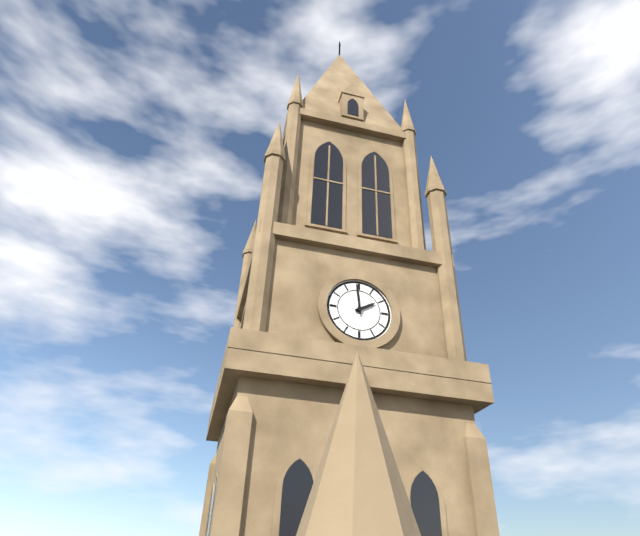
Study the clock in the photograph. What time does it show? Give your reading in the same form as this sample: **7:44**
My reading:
**1:59**
